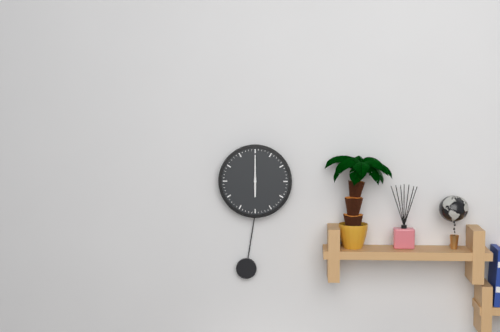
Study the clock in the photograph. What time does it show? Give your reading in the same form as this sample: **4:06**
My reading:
**6:00**
